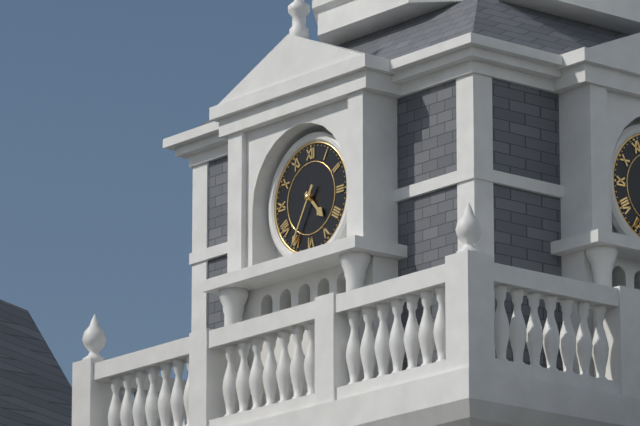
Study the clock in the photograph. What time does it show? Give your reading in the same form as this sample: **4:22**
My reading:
**4:35**
